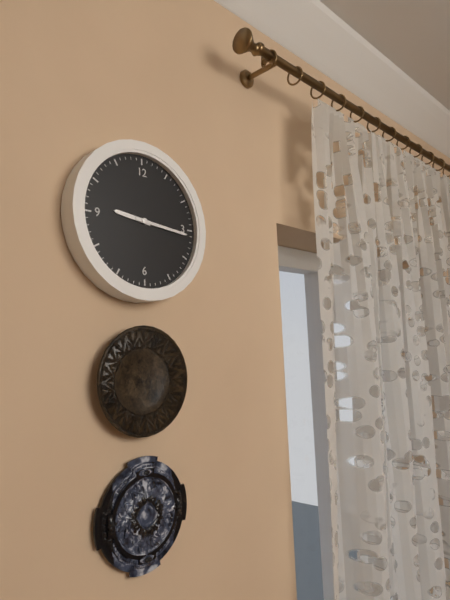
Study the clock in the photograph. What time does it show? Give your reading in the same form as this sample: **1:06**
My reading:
**9:16**
